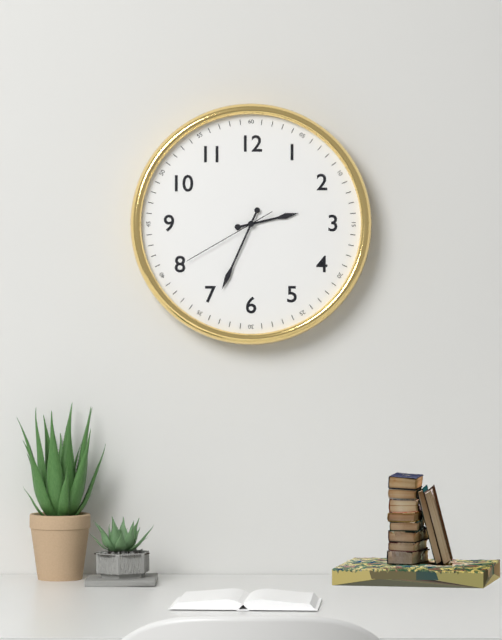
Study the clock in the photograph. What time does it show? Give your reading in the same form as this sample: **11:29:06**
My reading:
**2:34:40**
